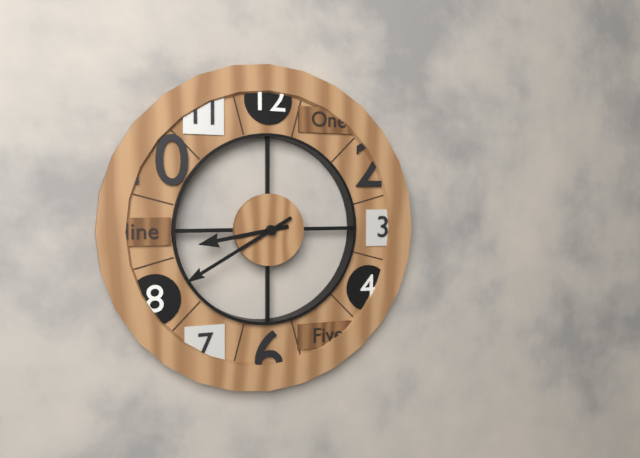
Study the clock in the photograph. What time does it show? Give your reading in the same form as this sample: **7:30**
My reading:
**8:40**
